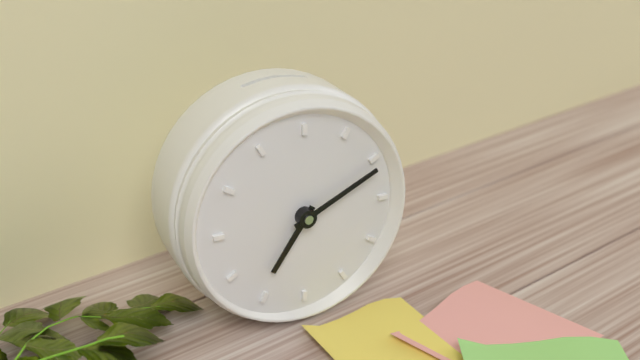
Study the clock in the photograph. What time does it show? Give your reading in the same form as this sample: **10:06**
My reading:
**7:11**
